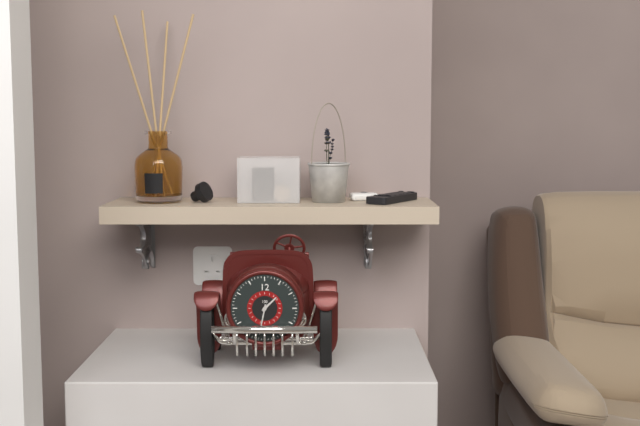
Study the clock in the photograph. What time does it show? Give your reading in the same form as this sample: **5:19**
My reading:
**1:32**
